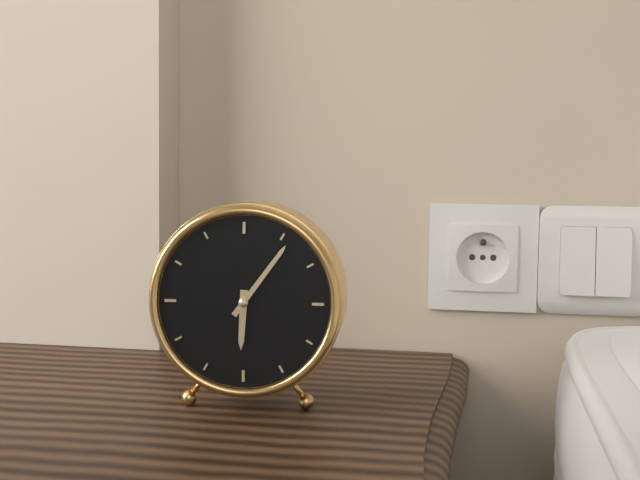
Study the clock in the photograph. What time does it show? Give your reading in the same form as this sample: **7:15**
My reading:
**6:06**
